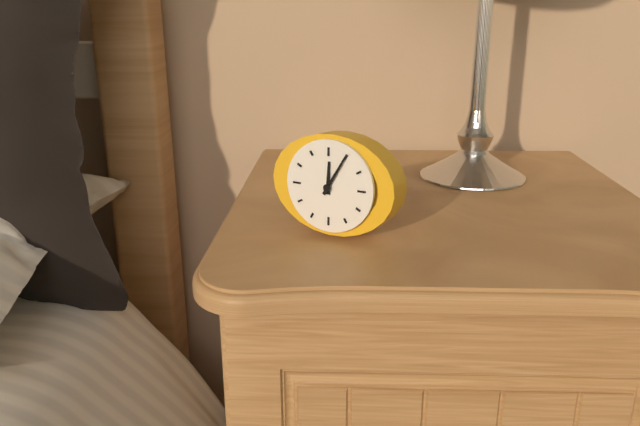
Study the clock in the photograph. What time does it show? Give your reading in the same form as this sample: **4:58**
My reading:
**12:05**
